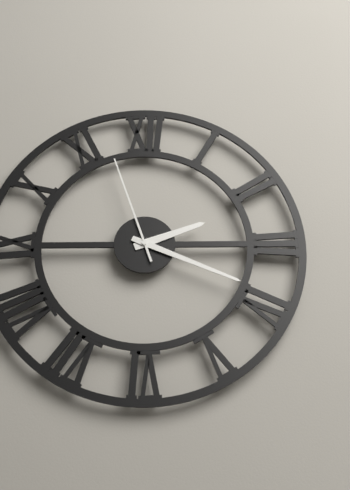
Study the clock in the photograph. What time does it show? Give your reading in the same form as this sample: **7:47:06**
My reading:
**2:19:57**
